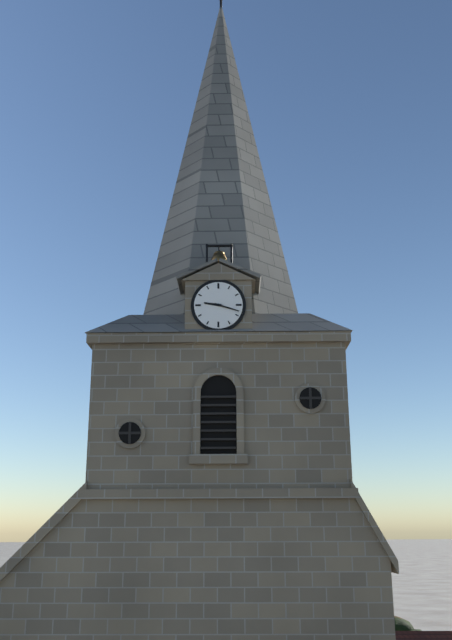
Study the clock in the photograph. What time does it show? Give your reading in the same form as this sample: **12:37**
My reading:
**9:18**
